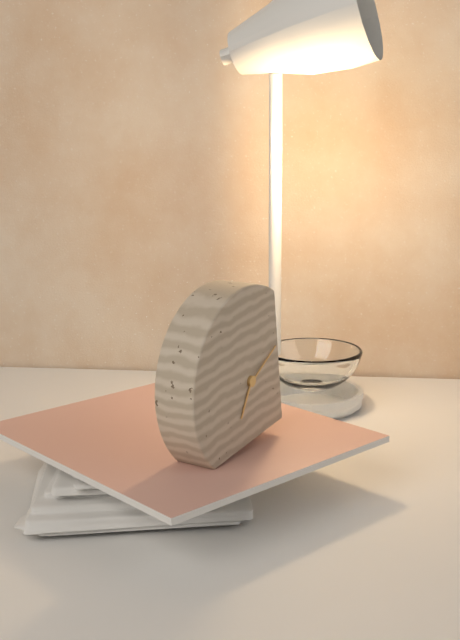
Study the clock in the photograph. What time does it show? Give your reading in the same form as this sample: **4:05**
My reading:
**7:11**
